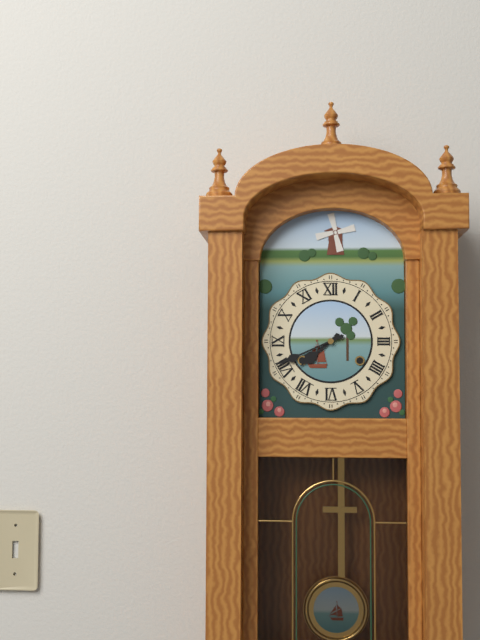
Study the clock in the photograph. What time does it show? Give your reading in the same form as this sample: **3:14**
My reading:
**7:41**
